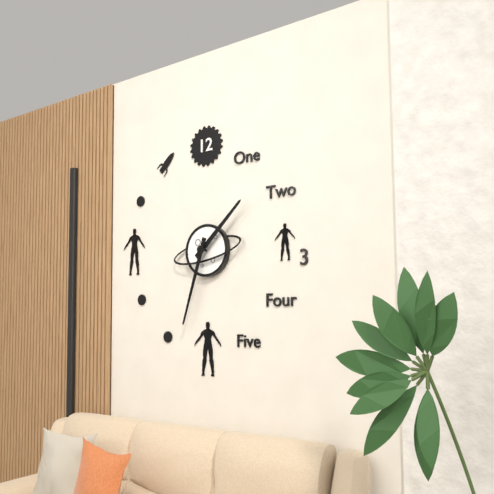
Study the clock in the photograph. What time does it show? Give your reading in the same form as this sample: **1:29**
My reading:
**1:33**
